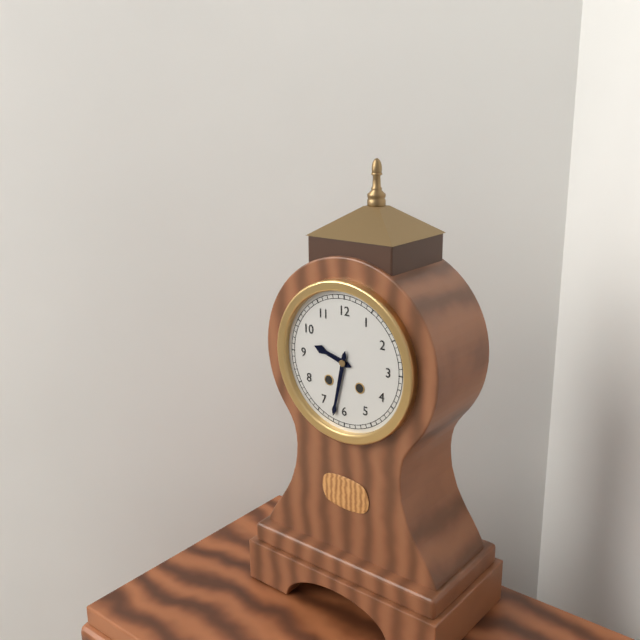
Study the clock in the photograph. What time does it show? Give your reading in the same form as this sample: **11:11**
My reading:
**9:32**
